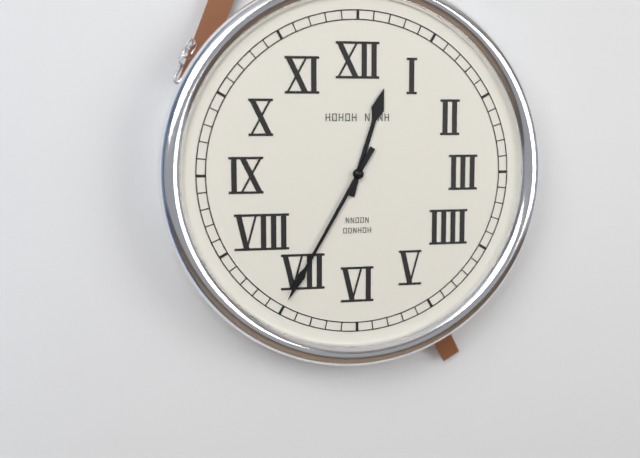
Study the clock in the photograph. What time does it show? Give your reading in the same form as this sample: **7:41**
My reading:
**12:35**
